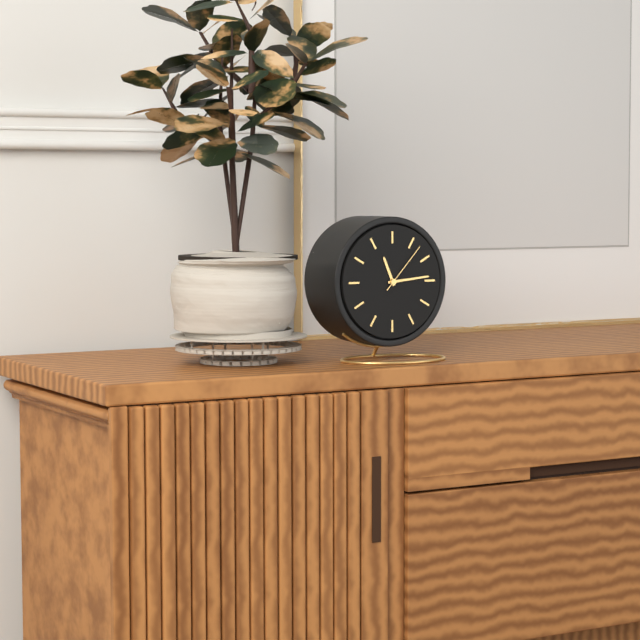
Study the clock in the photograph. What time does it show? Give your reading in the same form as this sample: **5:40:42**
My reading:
**11:14:07**
